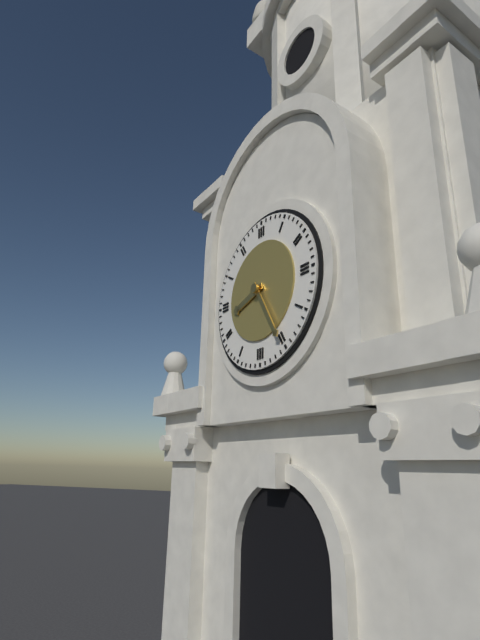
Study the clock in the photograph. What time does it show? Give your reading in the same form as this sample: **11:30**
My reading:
**8:25**
